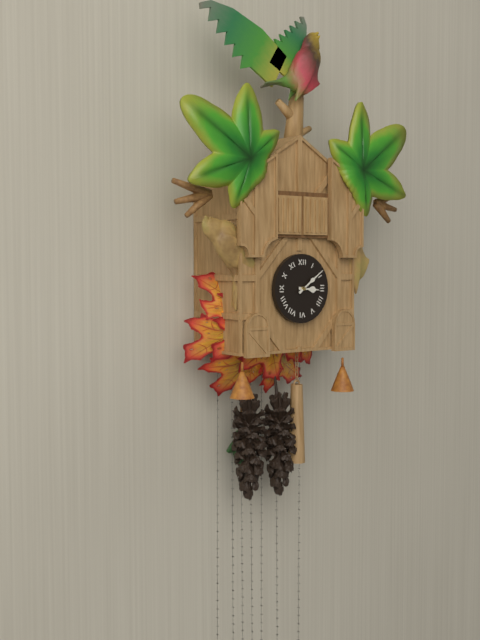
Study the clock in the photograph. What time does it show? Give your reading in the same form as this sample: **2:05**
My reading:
**3:09**
